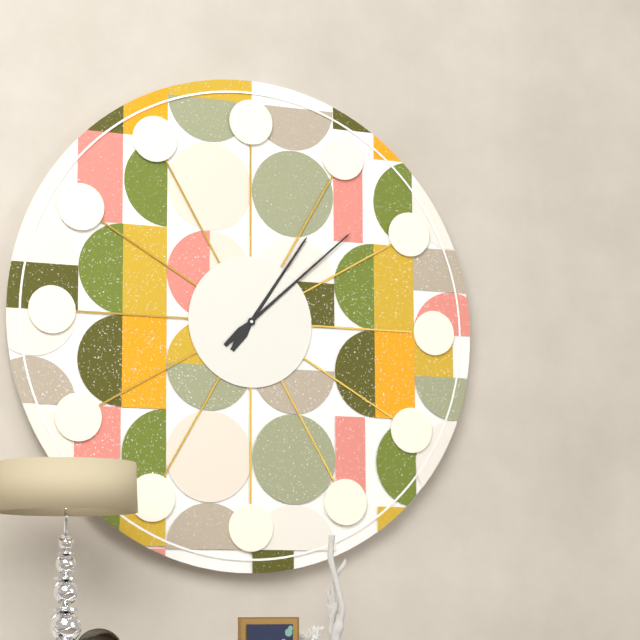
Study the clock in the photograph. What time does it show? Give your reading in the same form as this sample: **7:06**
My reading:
**1:08**
